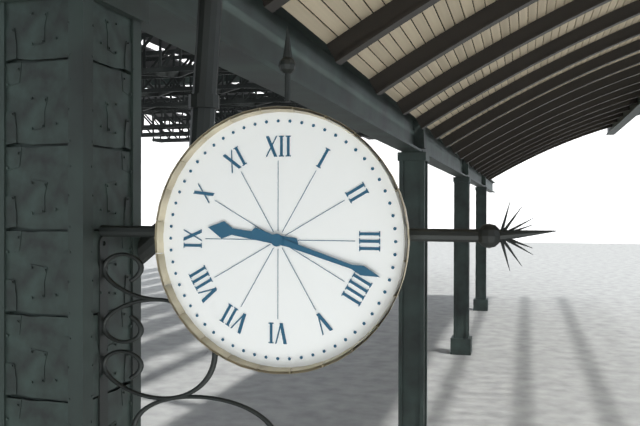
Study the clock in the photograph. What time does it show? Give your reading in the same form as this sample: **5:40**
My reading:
**9:18**
